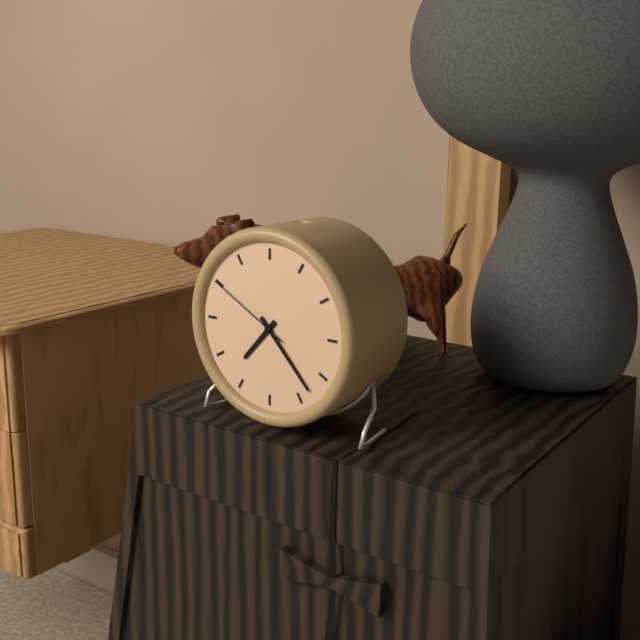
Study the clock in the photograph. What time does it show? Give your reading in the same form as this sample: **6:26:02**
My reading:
**7:23:50**
